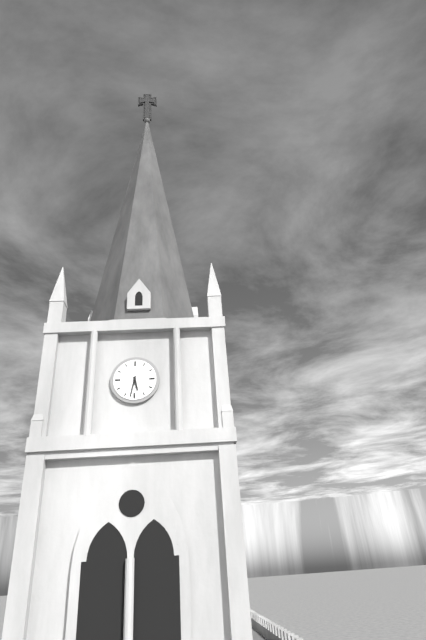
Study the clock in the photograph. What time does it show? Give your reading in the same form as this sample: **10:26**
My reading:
**5:32**
